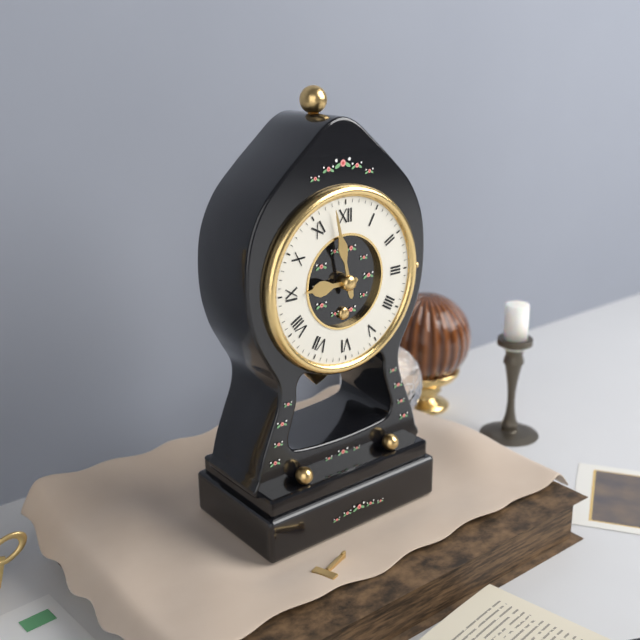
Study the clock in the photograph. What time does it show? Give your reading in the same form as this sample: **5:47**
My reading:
**8:58**
